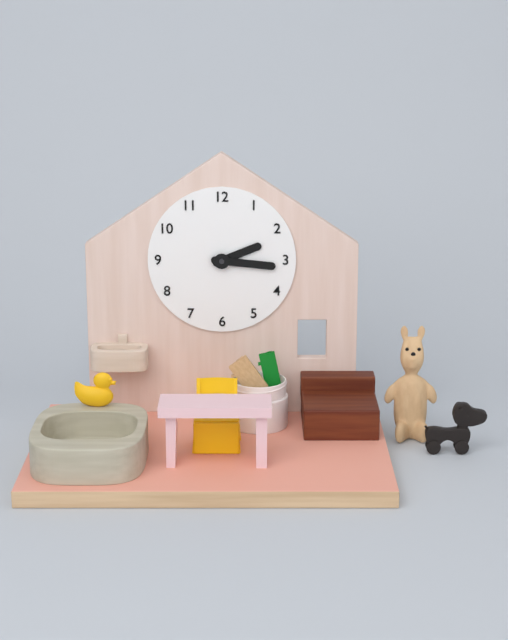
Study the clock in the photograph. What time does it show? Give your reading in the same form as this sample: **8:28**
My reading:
**2:16**
